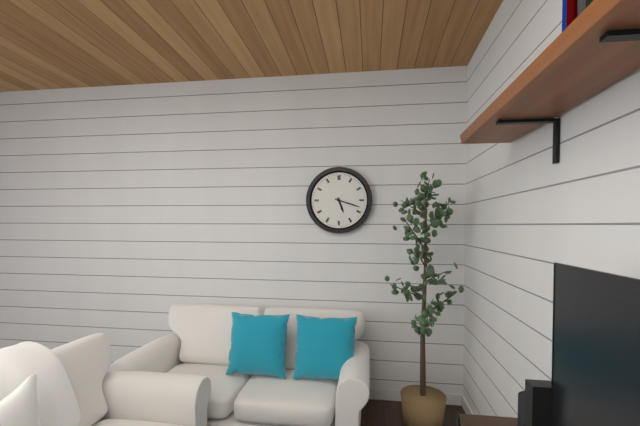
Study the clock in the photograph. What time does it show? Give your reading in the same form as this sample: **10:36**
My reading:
**5:18**
